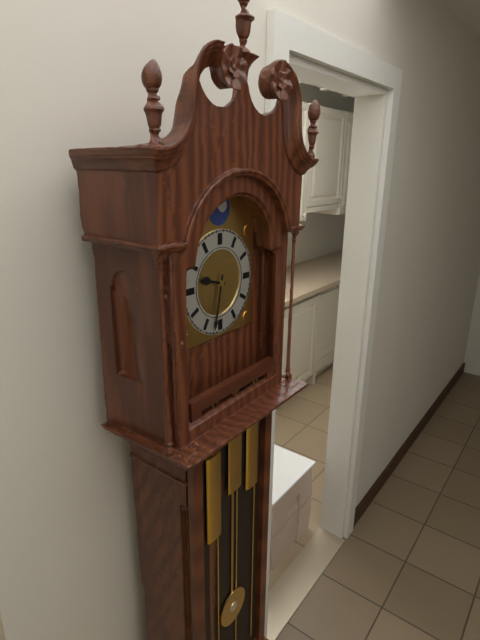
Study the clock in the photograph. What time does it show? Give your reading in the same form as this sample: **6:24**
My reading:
**9:32**
